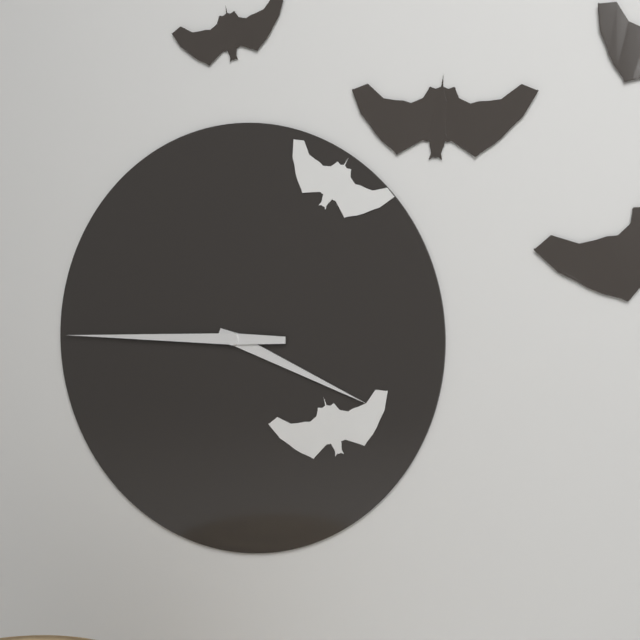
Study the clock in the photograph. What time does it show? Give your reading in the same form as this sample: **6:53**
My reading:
**3:45**
